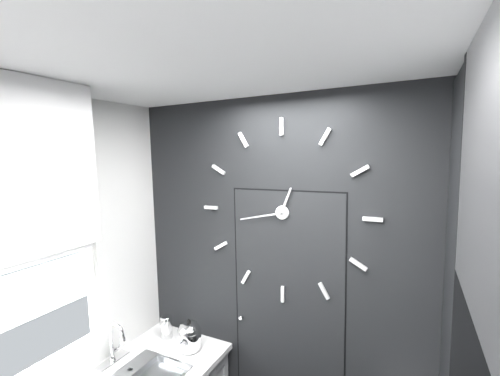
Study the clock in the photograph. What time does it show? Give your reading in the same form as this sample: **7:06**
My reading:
**12:43**
